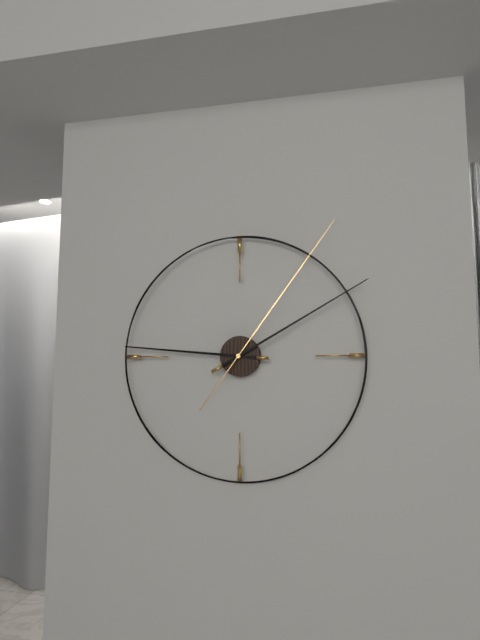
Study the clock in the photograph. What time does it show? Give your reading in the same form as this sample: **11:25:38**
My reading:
**9:10:06**
